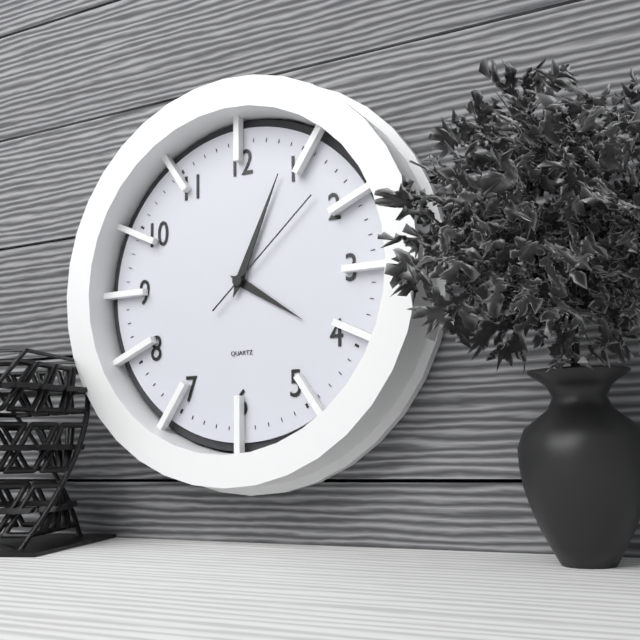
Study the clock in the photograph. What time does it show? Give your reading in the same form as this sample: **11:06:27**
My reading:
**4:04:08**
